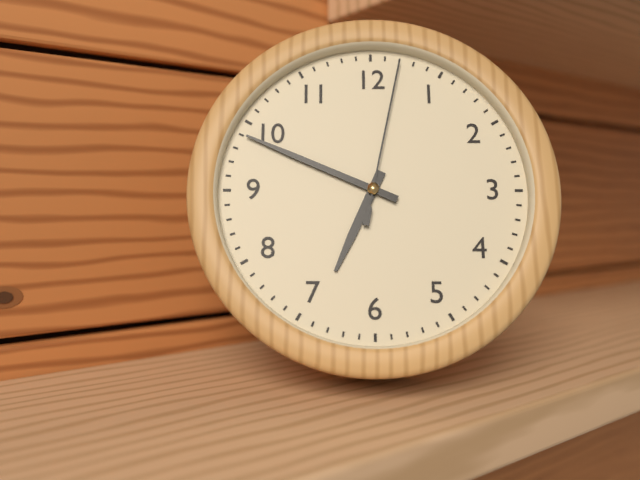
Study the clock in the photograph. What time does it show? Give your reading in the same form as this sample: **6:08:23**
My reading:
**6:49:02**
